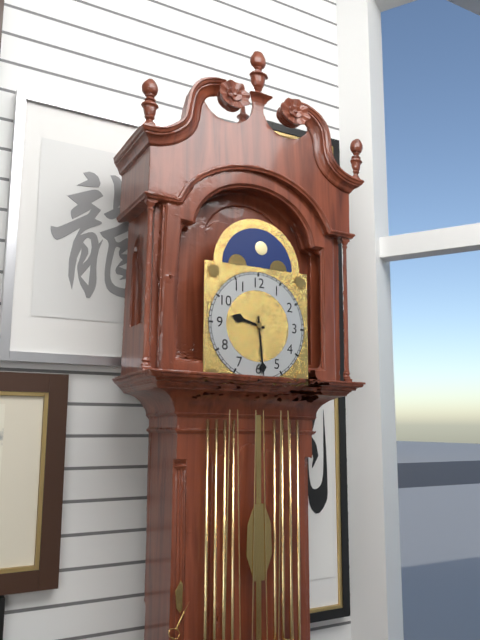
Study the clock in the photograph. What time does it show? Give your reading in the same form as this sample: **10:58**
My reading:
**9:29**
